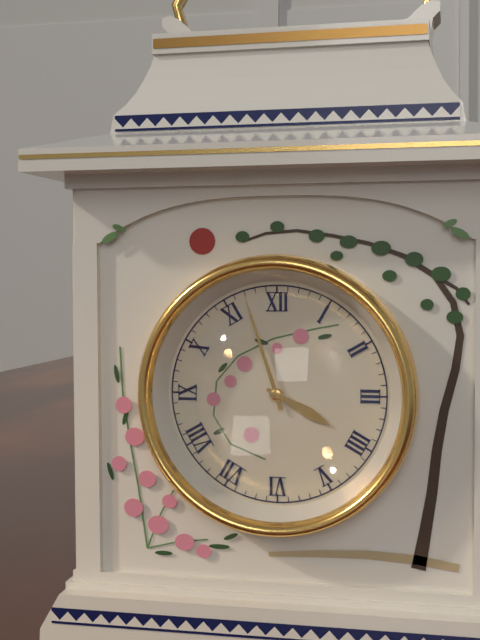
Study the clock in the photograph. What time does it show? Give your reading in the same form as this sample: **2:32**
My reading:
**3:57**
